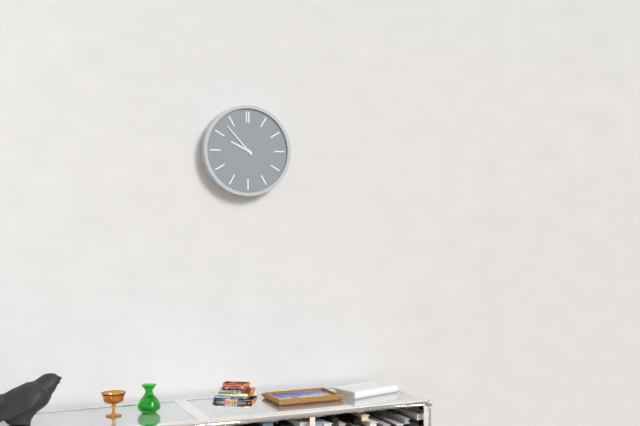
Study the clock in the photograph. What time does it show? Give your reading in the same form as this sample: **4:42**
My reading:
**9:53**
